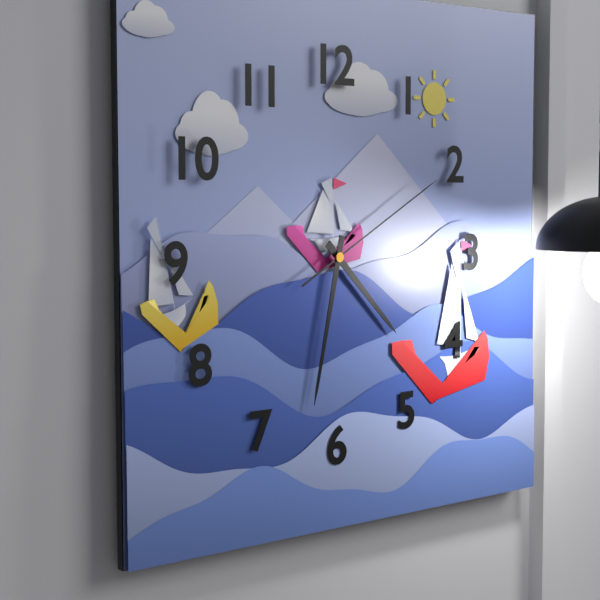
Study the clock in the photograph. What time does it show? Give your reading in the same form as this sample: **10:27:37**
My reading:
**4:32:10**
